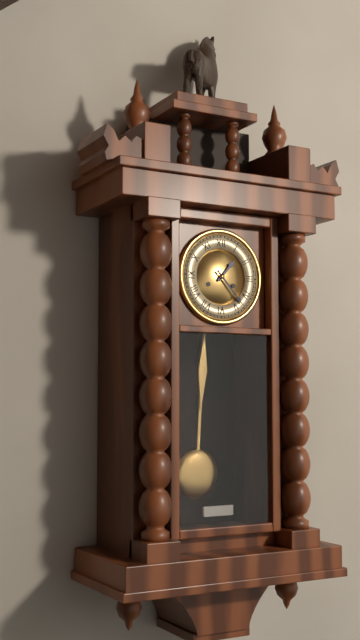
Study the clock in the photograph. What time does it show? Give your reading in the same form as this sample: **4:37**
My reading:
**1:23**
